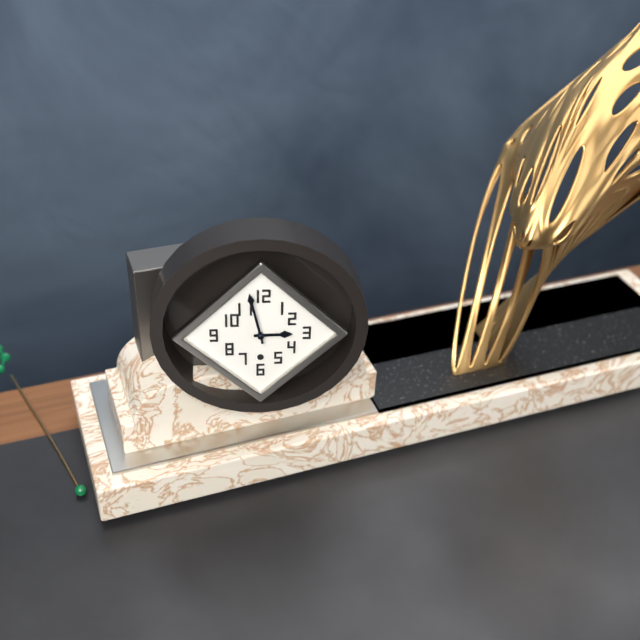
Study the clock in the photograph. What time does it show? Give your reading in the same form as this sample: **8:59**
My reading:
**2:58**
